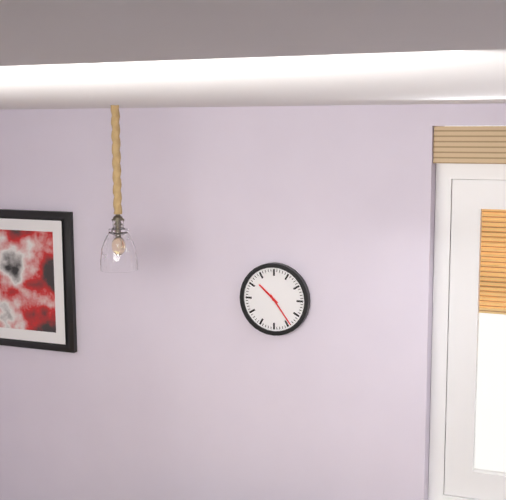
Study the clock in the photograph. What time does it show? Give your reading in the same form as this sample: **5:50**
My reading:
**10:24**
